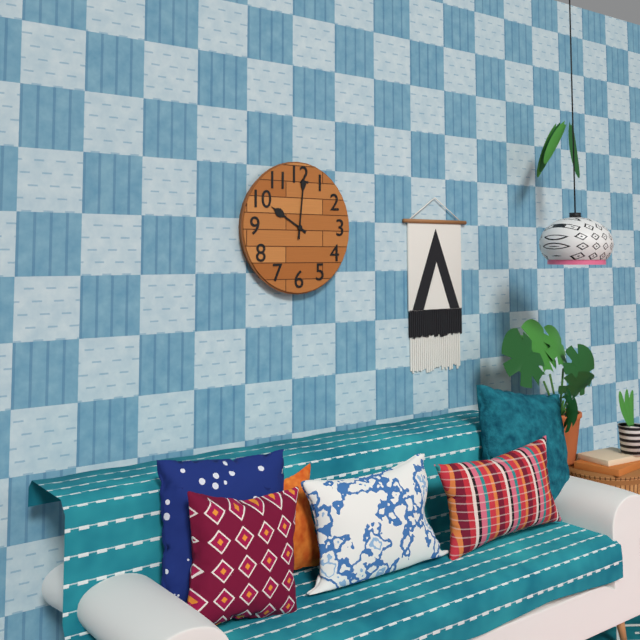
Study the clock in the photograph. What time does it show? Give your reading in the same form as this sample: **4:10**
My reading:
**10:01**
